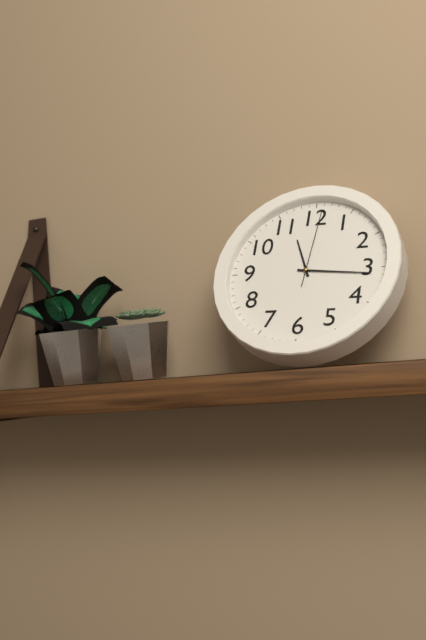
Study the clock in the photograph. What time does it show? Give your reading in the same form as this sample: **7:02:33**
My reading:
**11:16:01**
